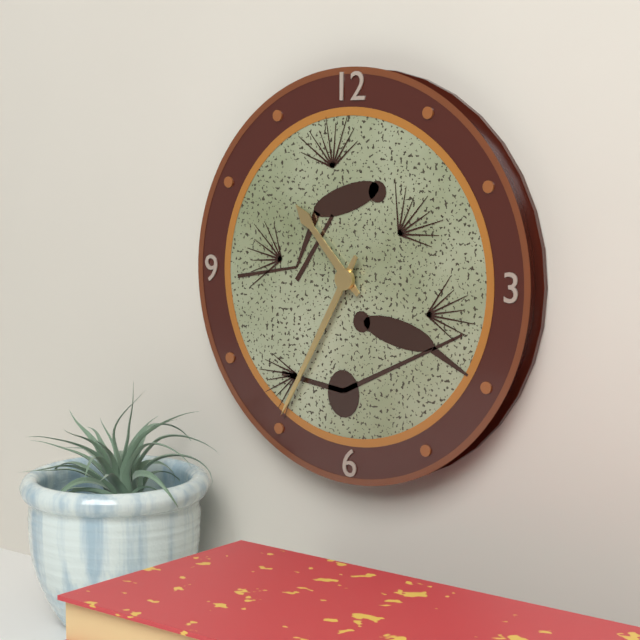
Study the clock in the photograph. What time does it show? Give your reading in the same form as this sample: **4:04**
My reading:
**10:35**
